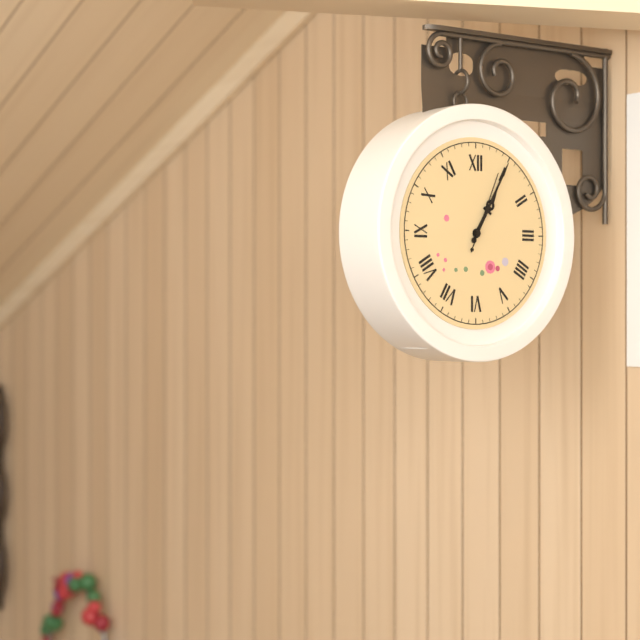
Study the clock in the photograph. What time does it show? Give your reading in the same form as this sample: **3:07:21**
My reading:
**1:05:04**
